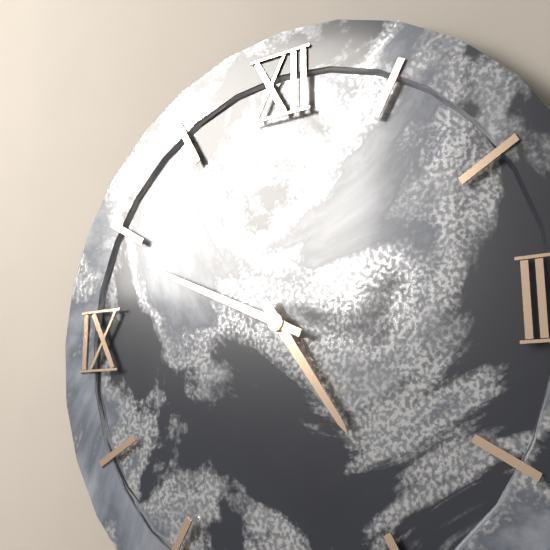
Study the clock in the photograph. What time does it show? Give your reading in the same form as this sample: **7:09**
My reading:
**4:49**
